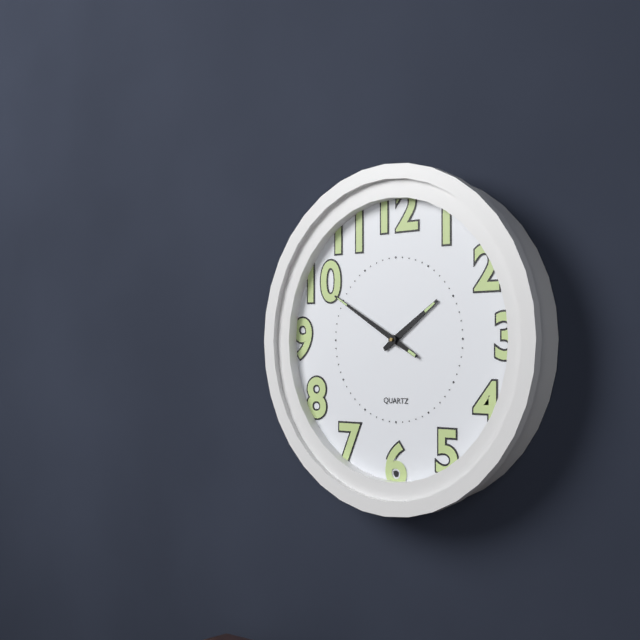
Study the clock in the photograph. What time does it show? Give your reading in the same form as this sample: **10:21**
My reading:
**1:50**
